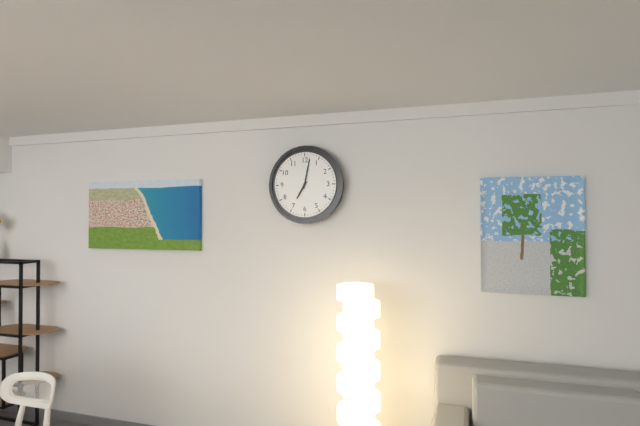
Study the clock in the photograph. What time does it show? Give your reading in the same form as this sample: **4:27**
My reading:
**7:02**
